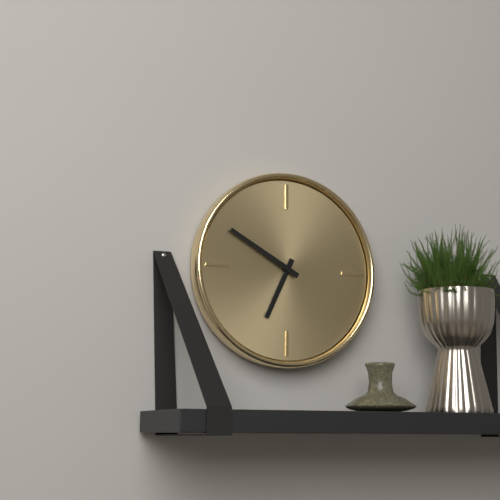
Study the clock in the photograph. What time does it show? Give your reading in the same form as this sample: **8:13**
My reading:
**6:50**
